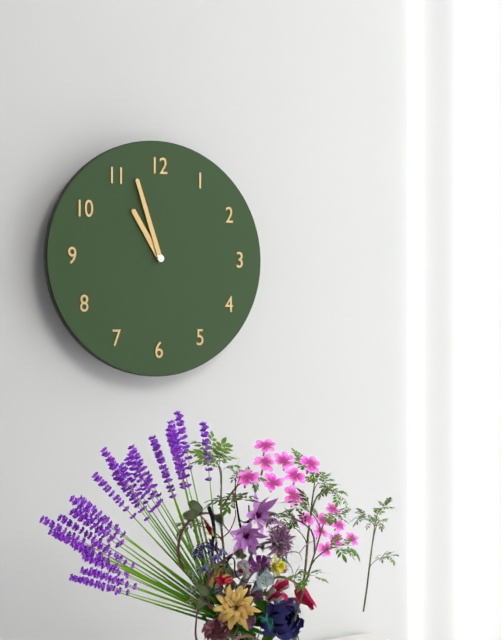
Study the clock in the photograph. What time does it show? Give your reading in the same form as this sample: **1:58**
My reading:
**10:57**
